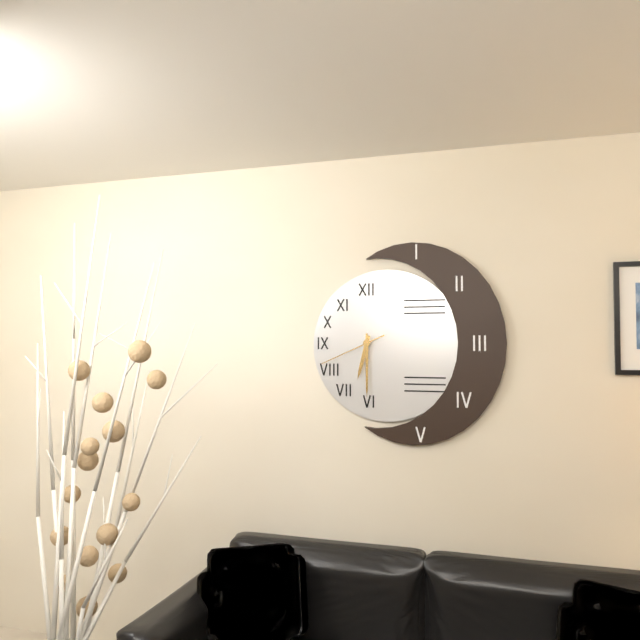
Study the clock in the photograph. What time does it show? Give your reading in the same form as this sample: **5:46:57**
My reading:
**6:30:41**
